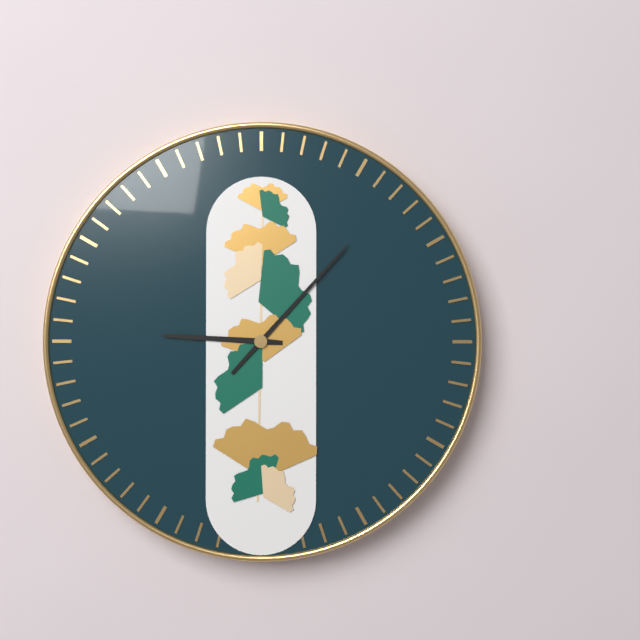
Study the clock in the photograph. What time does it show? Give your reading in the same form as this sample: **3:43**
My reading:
**9:07**
